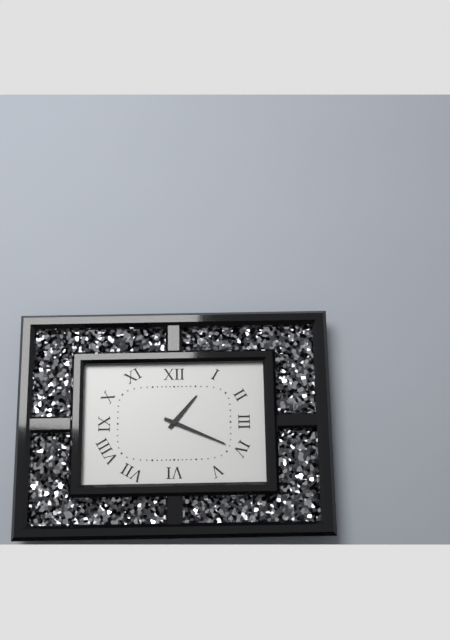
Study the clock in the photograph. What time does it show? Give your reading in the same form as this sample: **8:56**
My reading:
**1:19**
